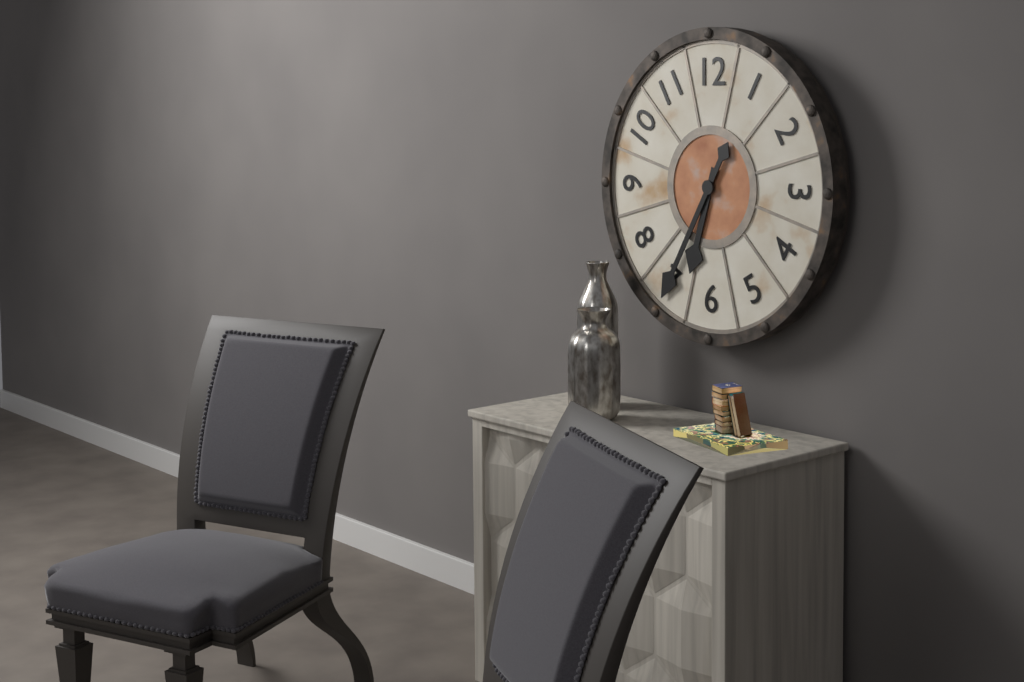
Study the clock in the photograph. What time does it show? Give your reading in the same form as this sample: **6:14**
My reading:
**6:35**
